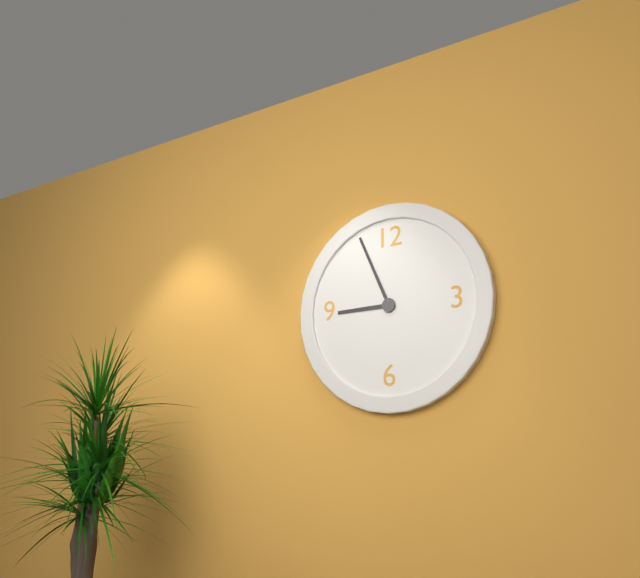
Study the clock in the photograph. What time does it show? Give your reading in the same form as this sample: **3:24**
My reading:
**8:56**
